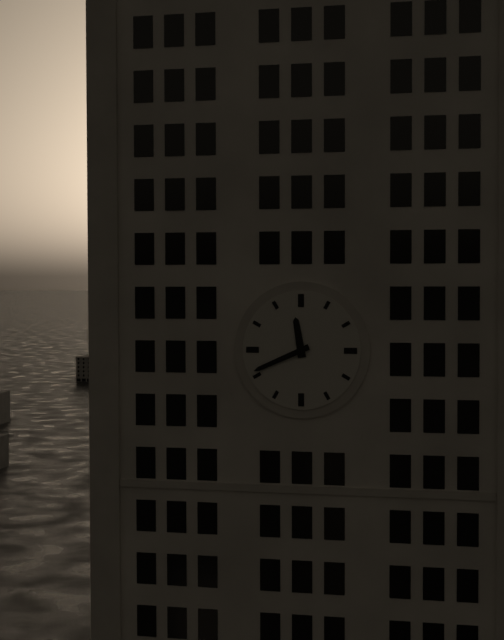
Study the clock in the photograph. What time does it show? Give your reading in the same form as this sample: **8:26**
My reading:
**11:41**
